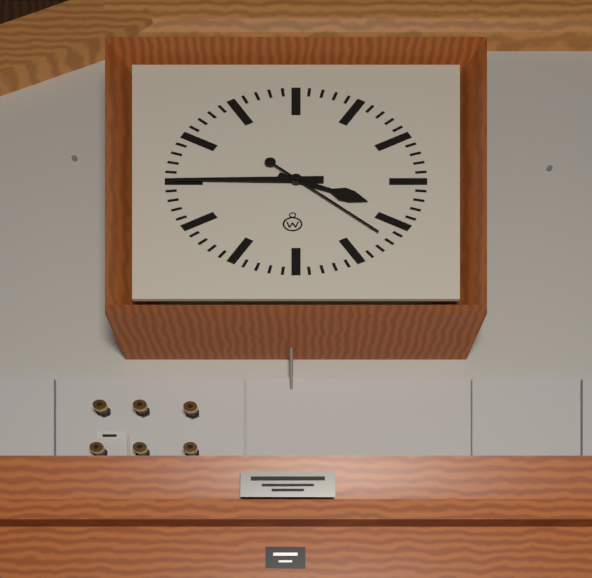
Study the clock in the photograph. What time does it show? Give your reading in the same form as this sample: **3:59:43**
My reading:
**3:45:22**
